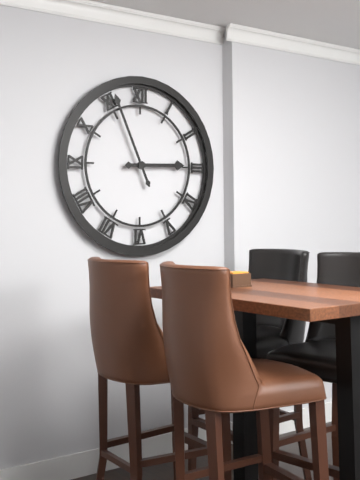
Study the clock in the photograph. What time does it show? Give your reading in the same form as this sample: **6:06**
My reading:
**2:56**
